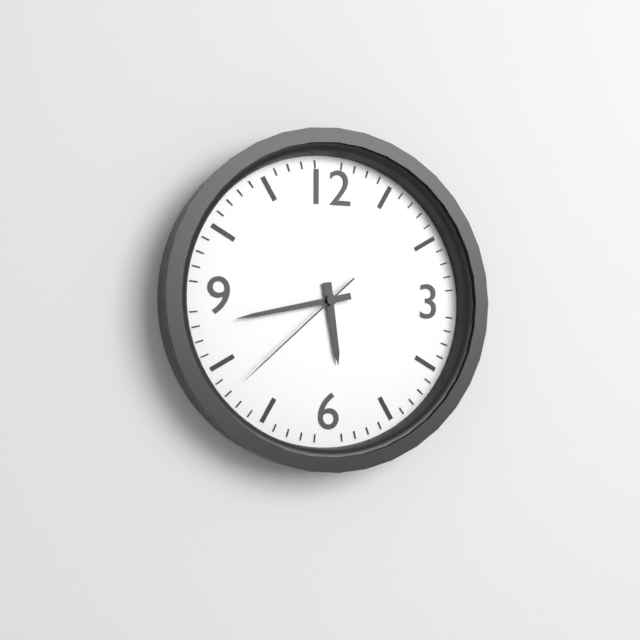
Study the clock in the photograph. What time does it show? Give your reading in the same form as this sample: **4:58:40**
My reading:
**5:43:38**
